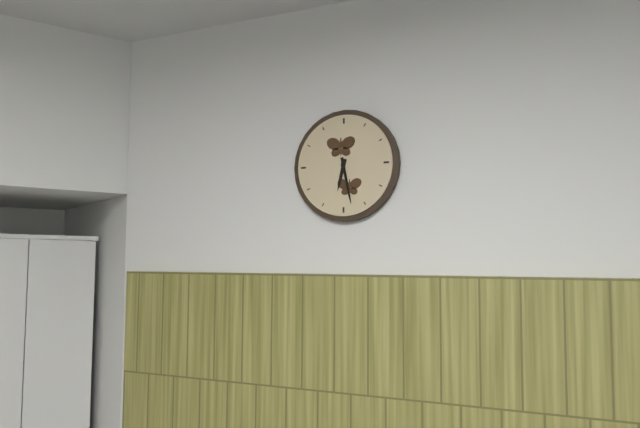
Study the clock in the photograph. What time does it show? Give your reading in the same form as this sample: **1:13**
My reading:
**6:28**
